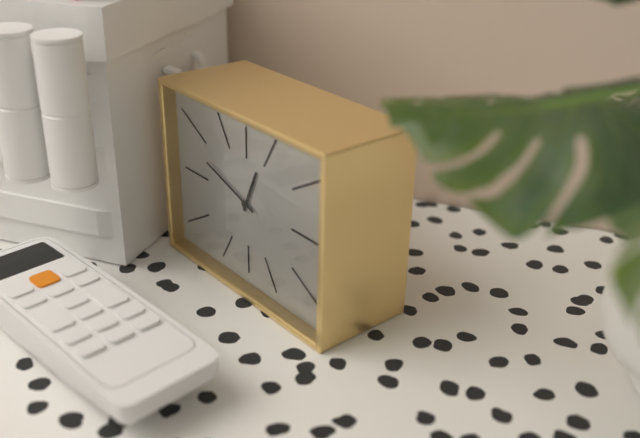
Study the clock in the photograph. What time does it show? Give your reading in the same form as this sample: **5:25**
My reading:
**12:48**
